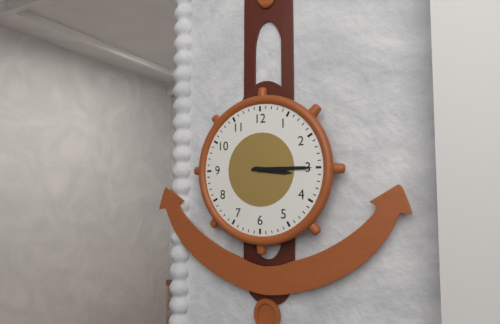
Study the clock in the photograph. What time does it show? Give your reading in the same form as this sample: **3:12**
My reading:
**3:15**
